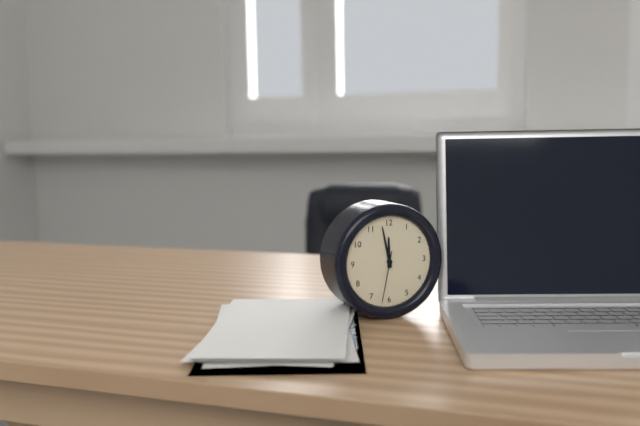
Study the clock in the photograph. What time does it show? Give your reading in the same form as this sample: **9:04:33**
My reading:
**11:58:32**
